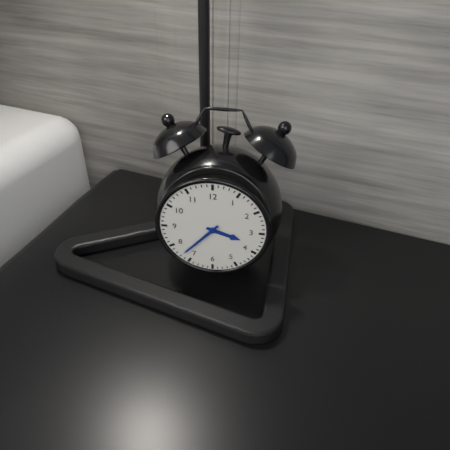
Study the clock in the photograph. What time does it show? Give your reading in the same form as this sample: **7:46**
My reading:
**3:37**
